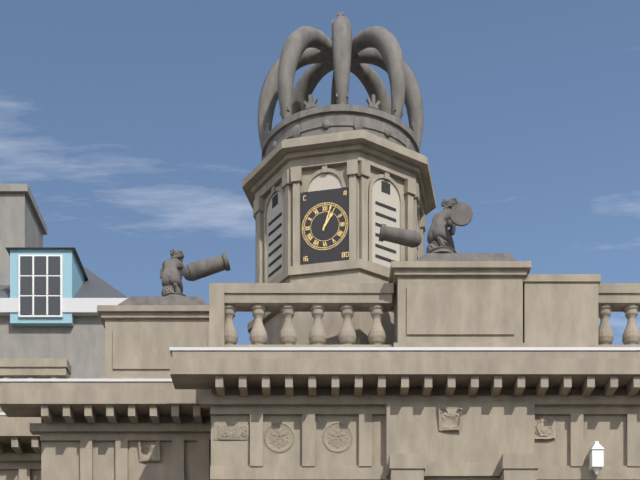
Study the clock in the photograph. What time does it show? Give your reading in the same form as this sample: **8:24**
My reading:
**1:03**
